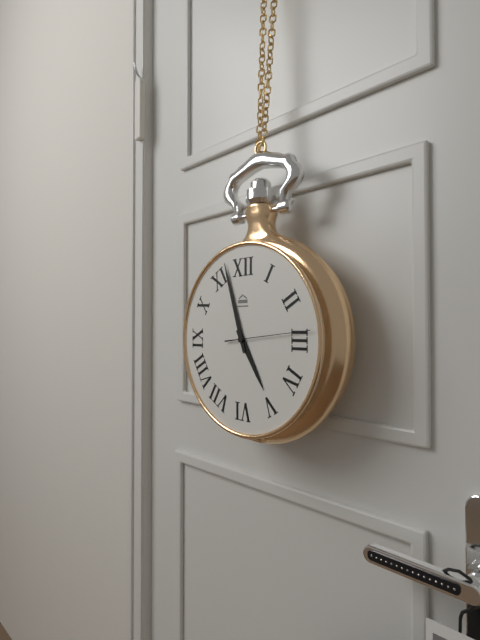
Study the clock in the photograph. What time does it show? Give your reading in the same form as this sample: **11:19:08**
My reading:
**4:57:14**
